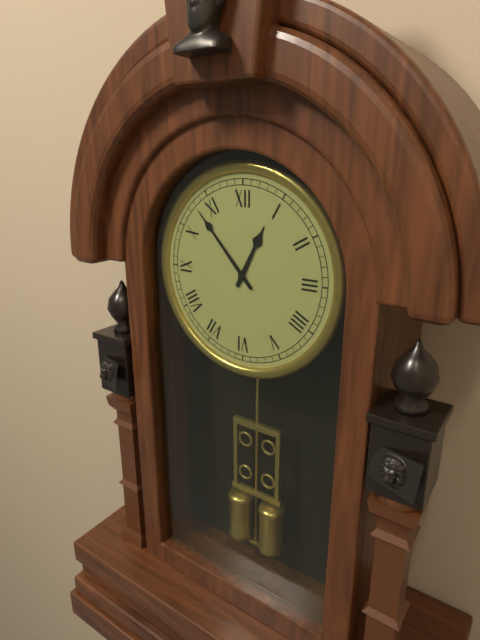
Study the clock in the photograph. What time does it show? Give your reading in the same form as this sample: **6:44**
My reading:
**12:53**
